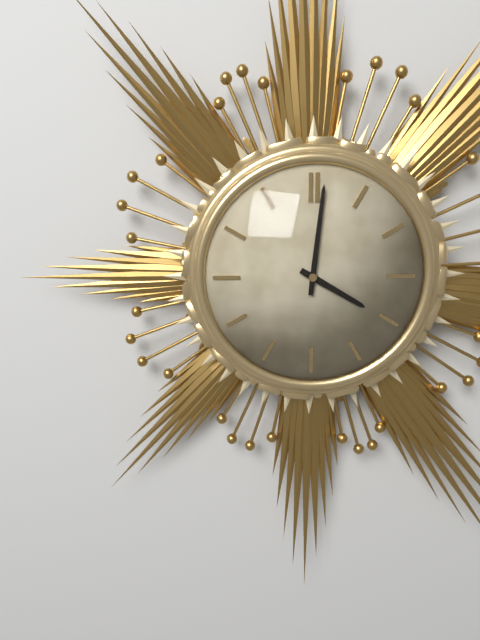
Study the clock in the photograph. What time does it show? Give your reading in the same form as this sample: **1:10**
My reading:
**4:01**
